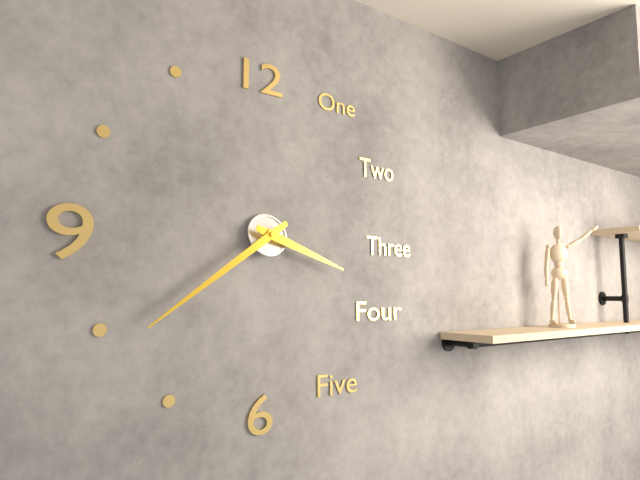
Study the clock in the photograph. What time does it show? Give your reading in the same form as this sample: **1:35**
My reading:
**3:39**
